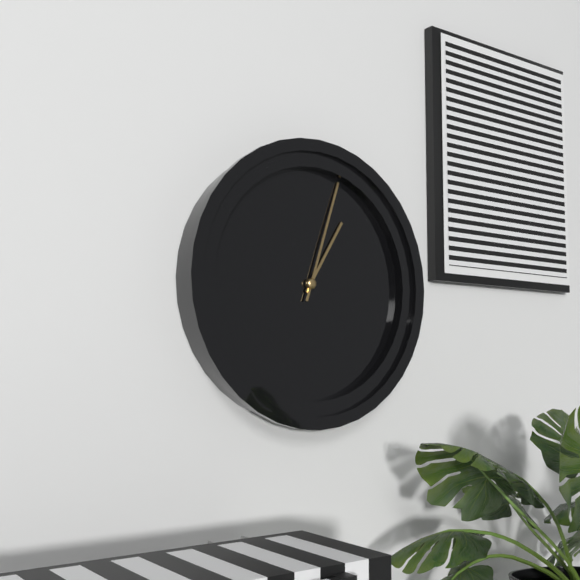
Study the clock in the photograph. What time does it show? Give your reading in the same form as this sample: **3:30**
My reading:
**1:03**
